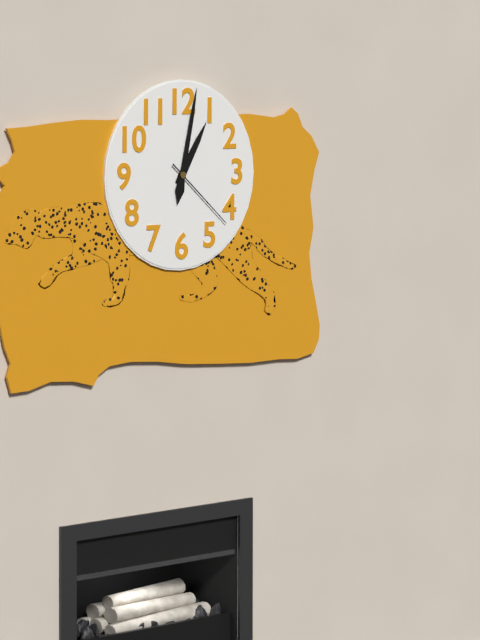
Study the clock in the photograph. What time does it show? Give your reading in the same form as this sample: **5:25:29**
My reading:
**1:02:22**
